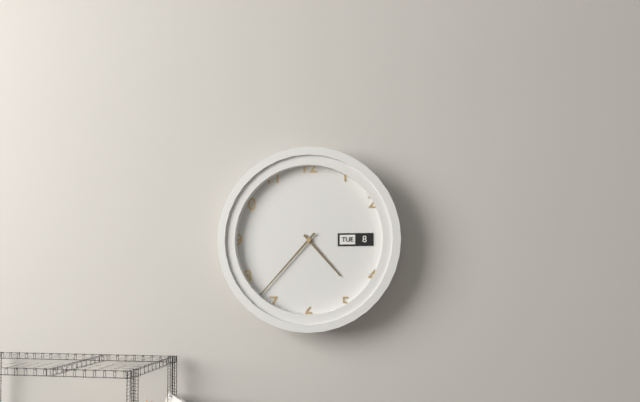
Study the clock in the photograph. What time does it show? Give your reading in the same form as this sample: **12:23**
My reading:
**4:37**
